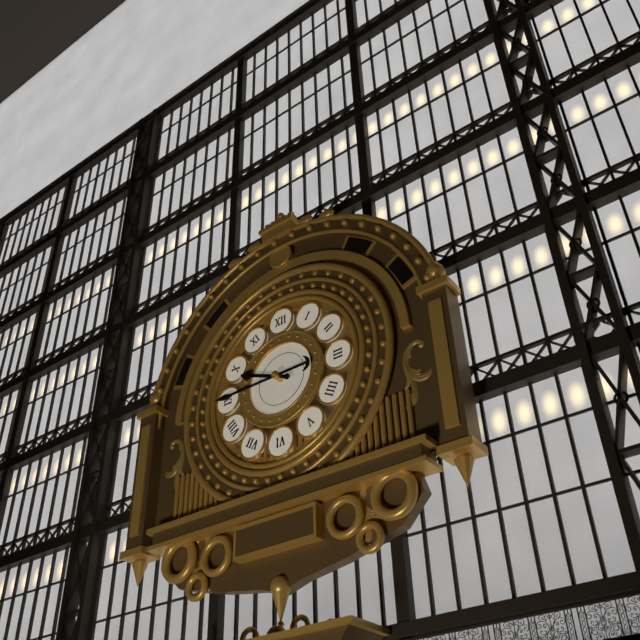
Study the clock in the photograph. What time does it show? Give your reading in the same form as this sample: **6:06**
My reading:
**9:45**
